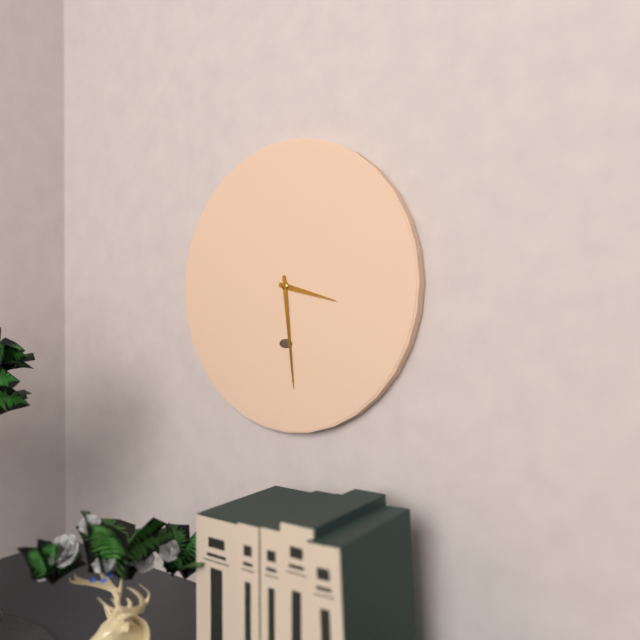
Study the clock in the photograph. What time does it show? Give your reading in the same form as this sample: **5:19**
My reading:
**3:29**
